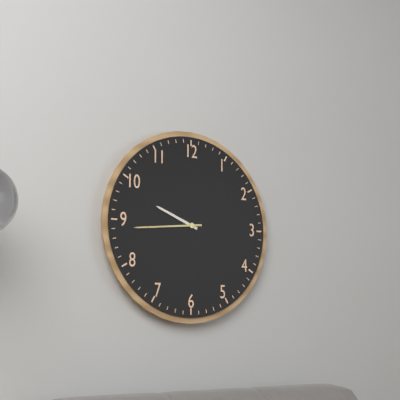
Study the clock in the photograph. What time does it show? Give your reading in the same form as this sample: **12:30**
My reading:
**9:44**
